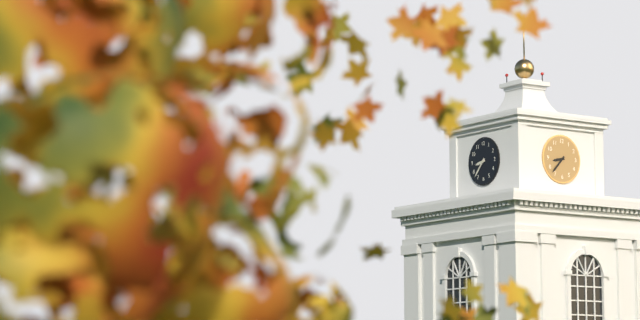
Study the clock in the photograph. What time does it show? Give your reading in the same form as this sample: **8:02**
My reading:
**8:37**
